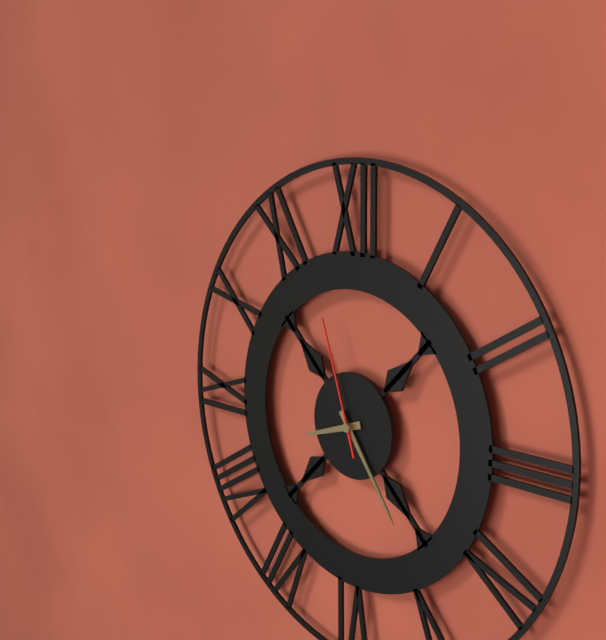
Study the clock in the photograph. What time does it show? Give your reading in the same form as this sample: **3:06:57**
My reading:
**8:24:57**
